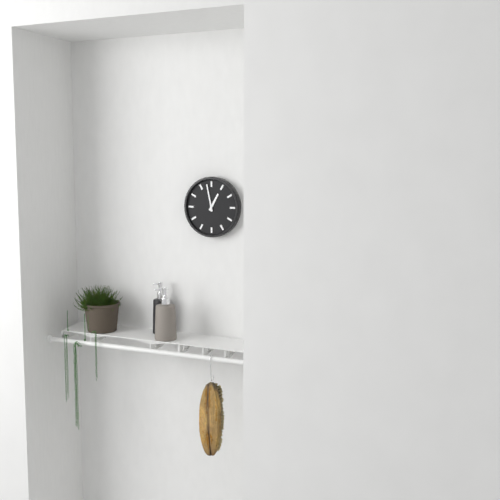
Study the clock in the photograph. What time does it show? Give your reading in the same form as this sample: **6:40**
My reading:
**12:58**
